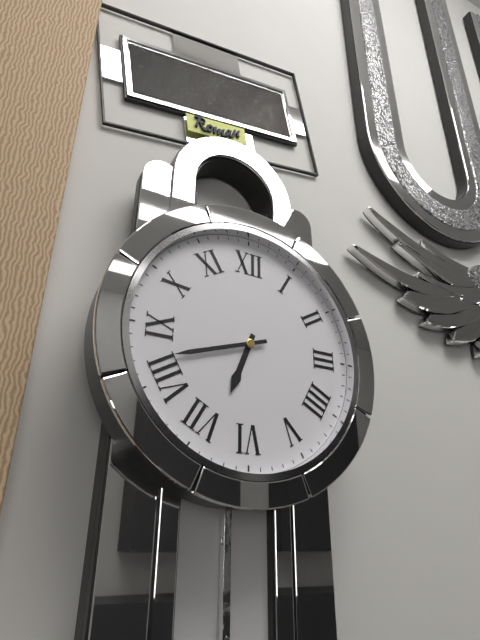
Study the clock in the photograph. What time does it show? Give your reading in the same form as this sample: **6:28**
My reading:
**6:42**
